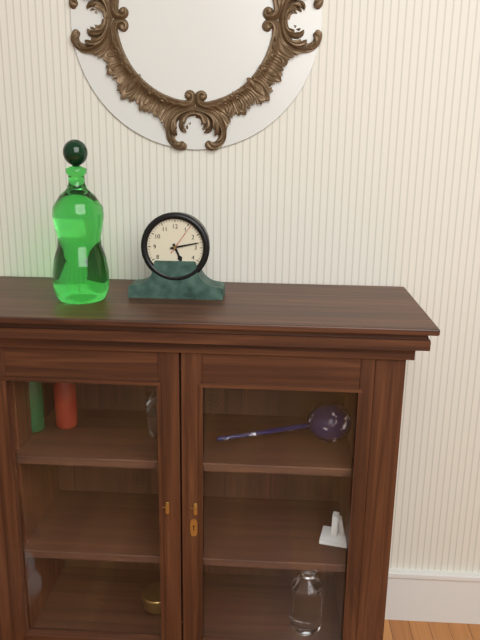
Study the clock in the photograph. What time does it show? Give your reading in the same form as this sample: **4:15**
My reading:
**5:13**
